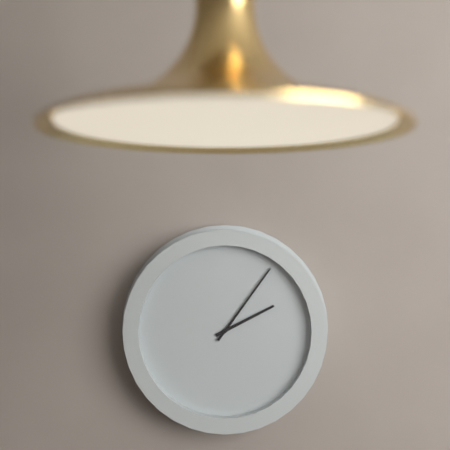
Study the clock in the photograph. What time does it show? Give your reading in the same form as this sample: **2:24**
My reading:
**2:06**
